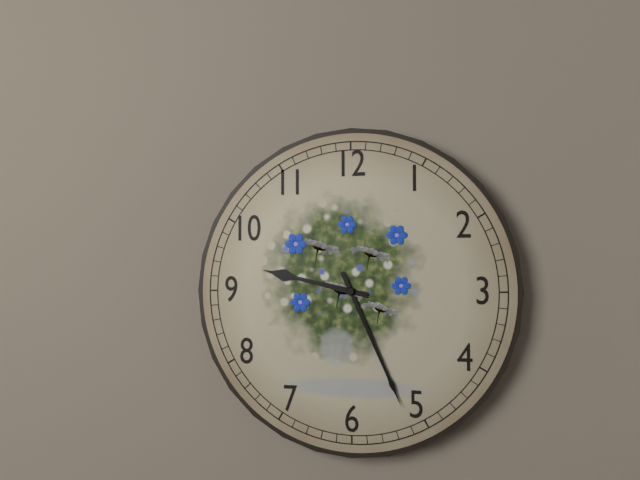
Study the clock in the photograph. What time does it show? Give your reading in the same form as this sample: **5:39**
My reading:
**9:26**
